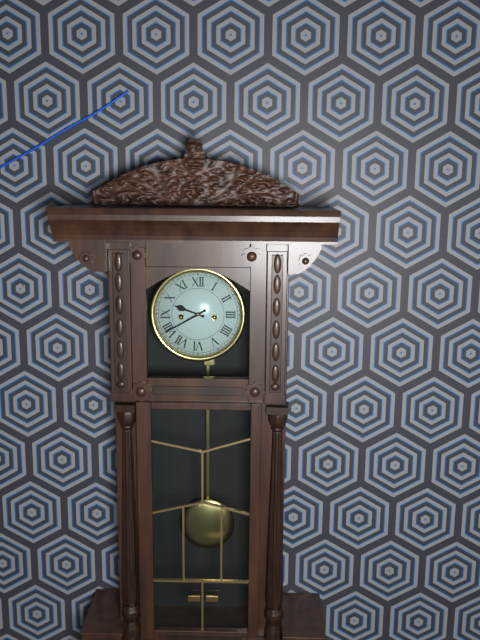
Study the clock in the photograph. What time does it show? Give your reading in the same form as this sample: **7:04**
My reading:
**9:40**
